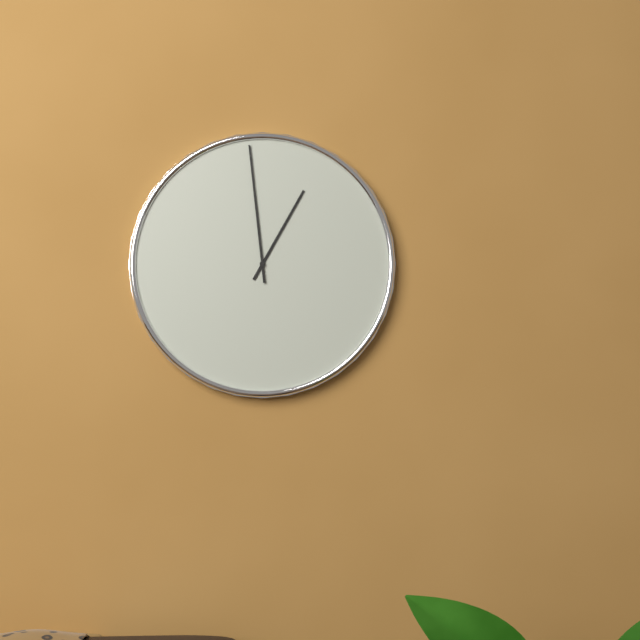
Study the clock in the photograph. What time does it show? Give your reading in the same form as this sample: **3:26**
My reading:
**12:59**
